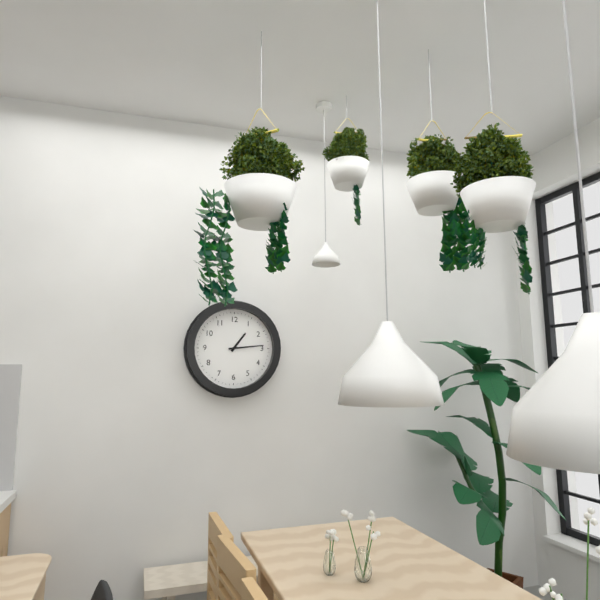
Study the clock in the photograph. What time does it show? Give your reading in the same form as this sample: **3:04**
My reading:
**1:14**
